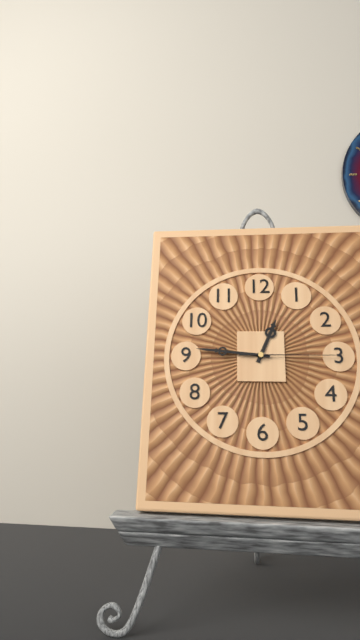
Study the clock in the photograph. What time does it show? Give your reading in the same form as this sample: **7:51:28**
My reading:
**12:46:15**
